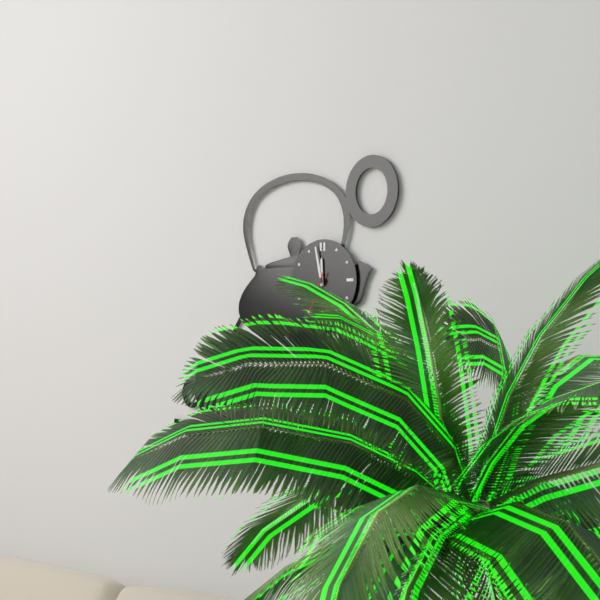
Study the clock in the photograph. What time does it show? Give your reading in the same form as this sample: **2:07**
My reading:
**11:58**
